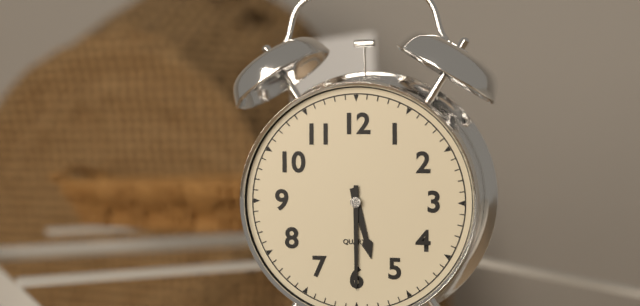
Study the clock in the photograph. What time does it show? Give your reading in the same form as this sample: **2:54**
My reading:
**5:30**
